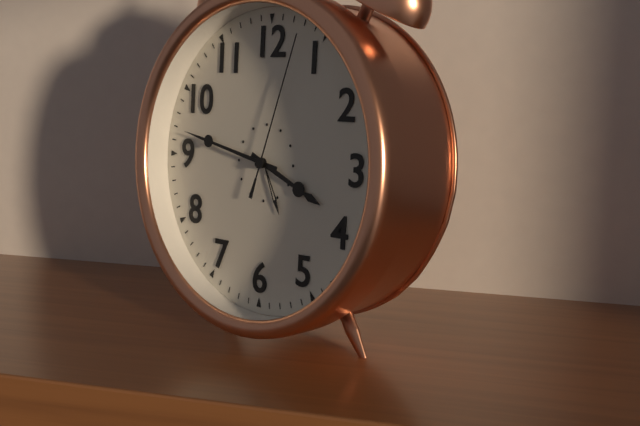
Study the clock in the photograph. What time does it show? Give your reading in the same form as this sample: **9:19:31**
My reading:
**3:47:03**
